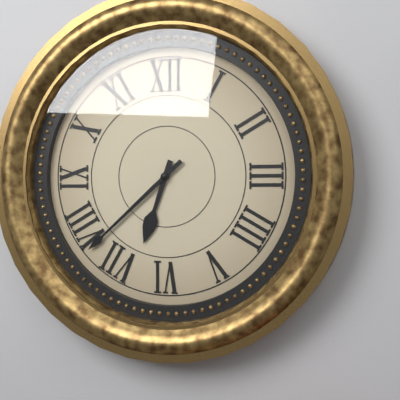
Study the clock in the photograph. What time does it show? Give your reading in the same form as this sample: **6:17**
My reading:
**6:38**
